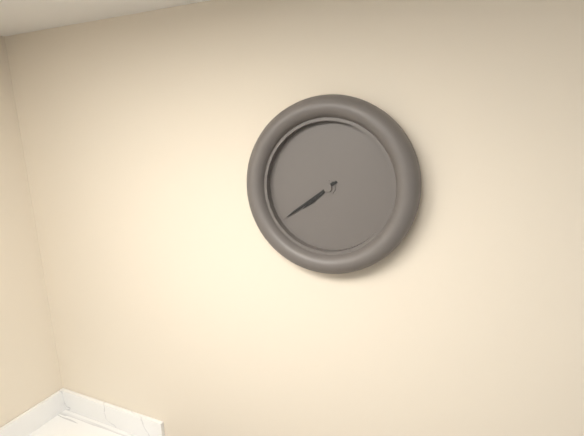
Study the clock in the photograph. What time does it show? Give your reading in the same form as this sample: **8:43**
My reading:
**7:39**
